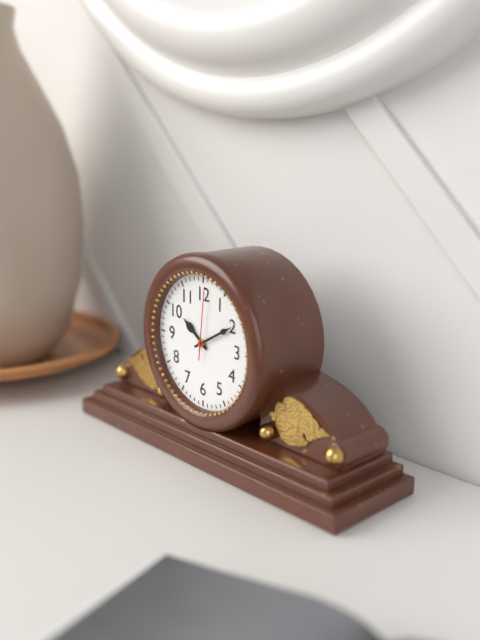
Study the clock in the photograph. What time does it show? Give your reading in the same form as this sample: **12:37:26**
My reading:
**10:10:01**
